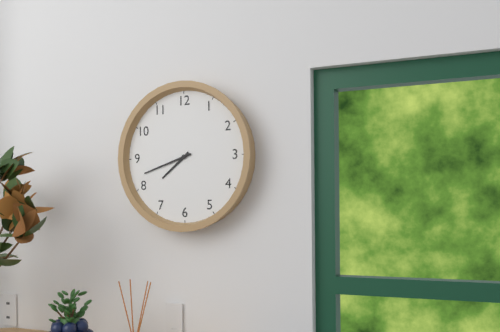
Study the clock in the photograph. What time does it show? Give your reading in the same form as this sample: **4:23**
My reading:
**7:42**
